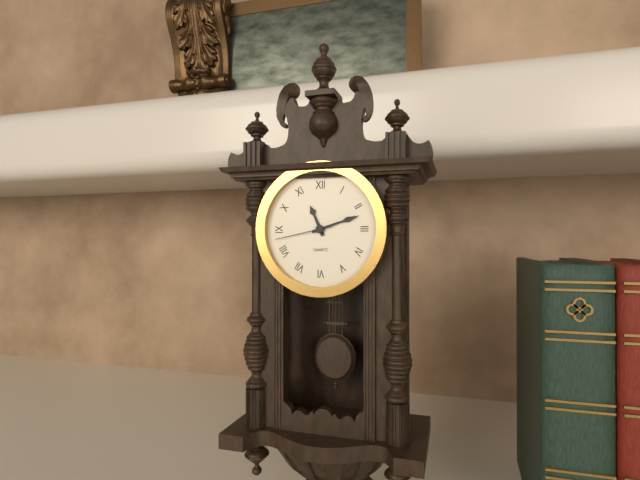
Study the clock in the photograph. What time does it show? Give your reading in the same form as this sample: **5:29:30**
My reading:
**11:12:43**
